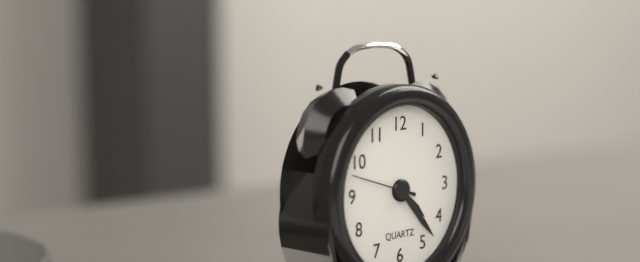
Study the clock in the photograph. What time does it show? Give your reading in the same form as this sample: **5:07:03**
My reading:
**4:23:48**
